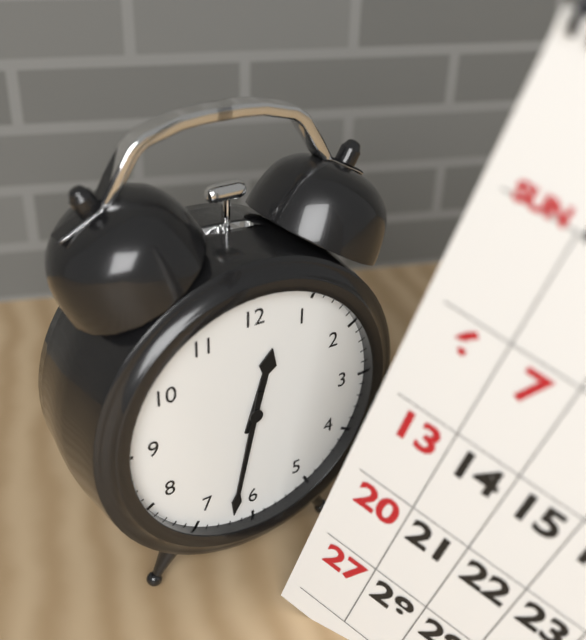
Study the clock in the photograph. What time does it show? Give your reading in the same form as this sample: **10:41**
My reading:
**12:32**
